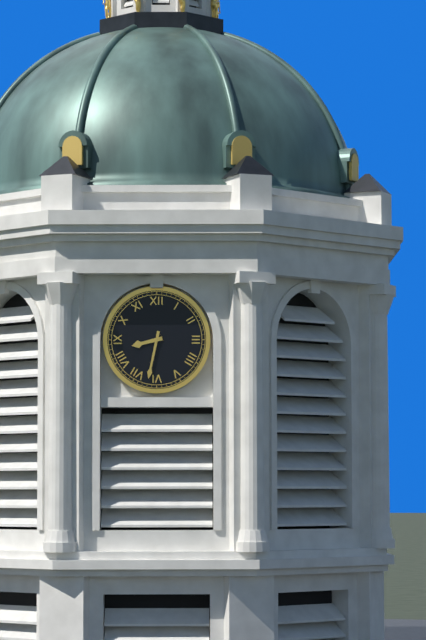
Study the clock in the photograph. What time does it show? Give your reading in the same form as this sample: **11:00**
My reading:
**8:32**
